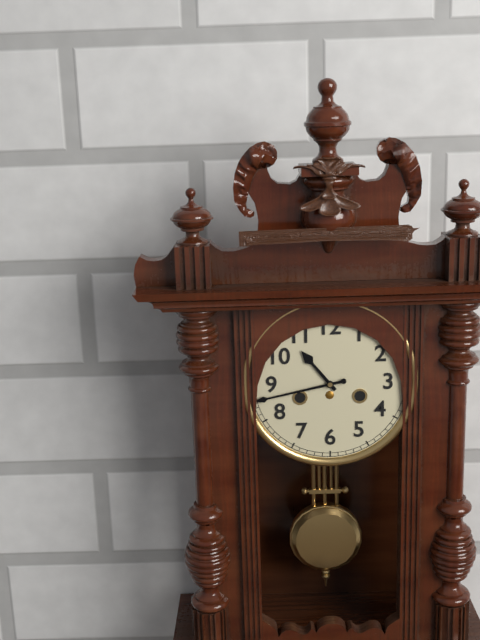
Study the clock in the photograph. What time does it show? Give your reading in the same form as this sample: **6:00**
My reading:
**10:43**
